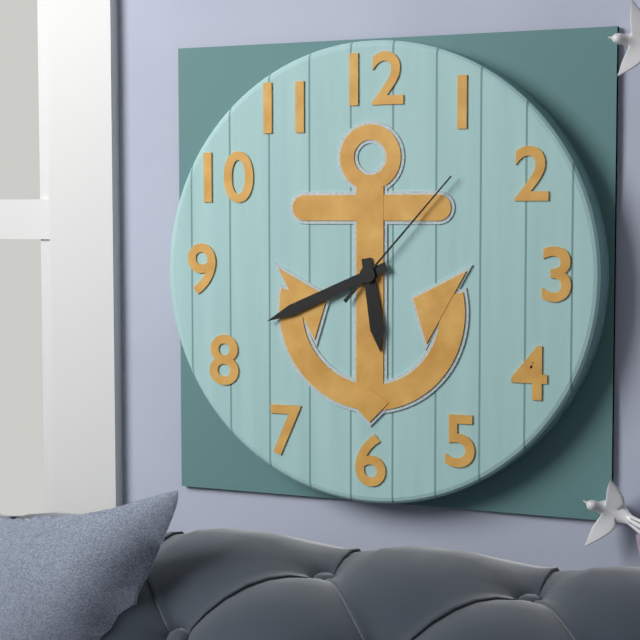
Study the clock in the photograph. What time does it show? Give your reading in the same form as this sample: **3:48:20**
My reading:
**5:41:07**
